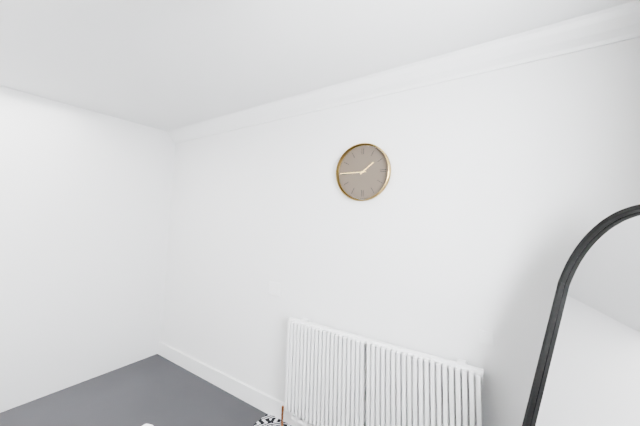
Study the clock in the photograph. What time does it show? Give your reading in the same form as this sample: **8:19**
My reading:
**1:45**
